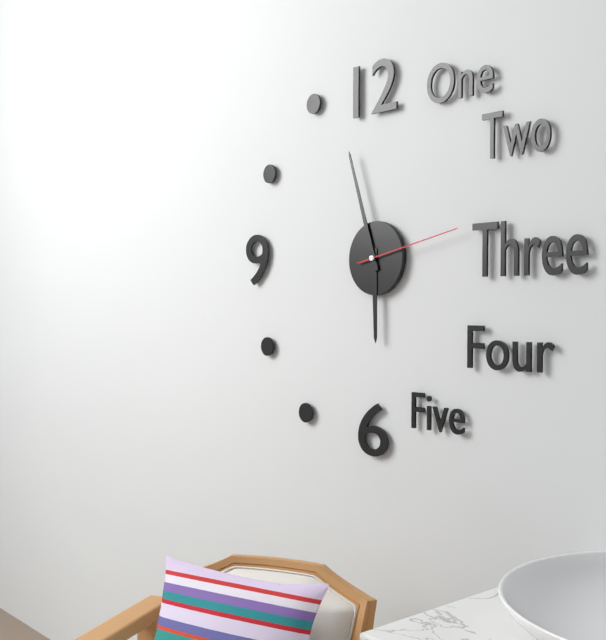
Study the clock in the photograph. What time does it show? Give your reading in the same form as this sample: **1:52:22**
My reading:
**5:57:13**
